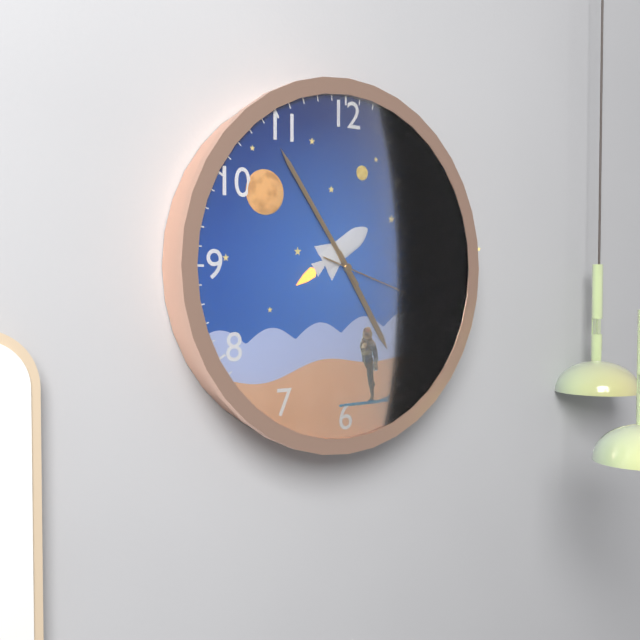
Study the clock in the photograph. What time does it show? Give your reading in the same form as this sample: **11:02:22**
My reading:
**4:54:18**
